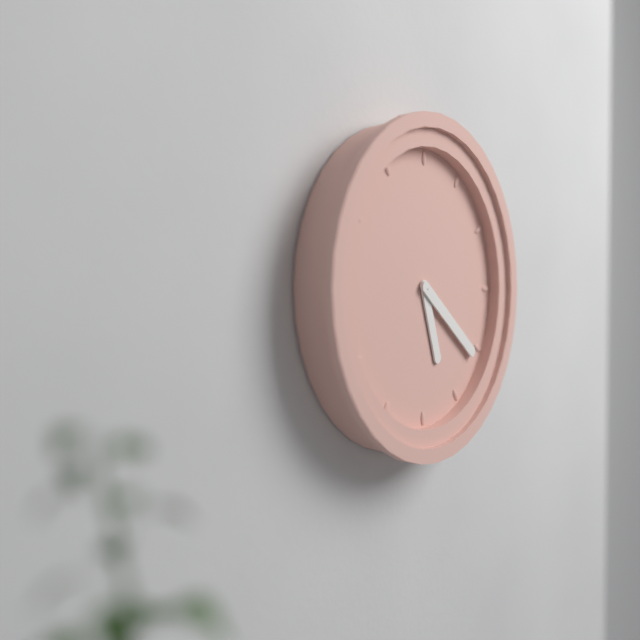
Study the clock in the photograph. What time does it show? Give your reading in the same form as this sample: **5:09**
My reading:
**5:21**
